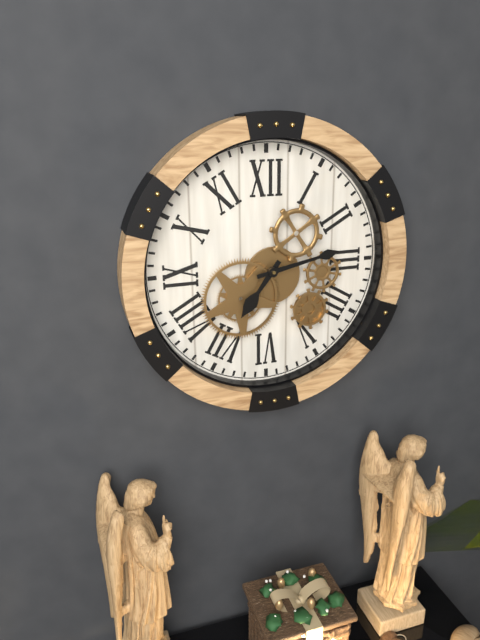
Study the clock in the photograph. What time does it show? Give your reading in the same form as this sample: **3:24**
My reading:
**7:13**
